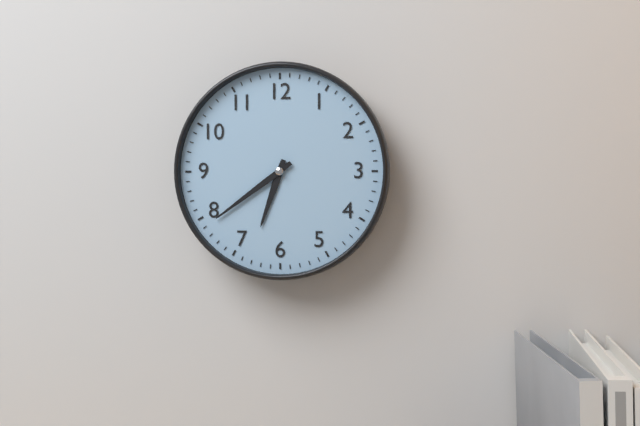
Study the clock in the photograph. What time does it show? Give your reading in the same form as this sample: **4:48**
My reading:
**6:39**
